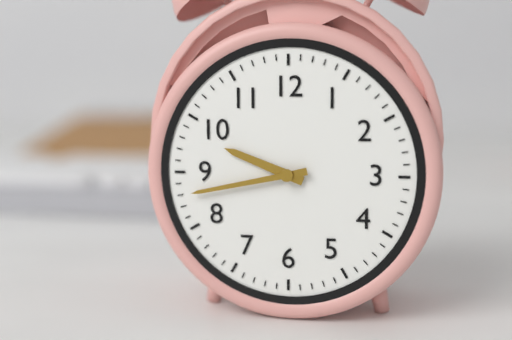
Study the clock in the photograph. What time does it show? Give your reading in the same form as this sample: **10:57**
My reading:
**9:43**
